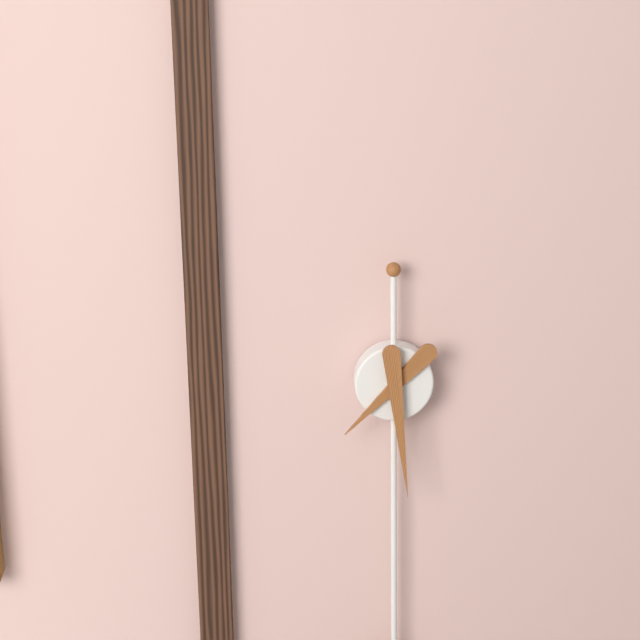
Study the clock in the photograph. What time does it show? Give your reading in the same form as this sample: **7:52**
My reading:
**7:29**
